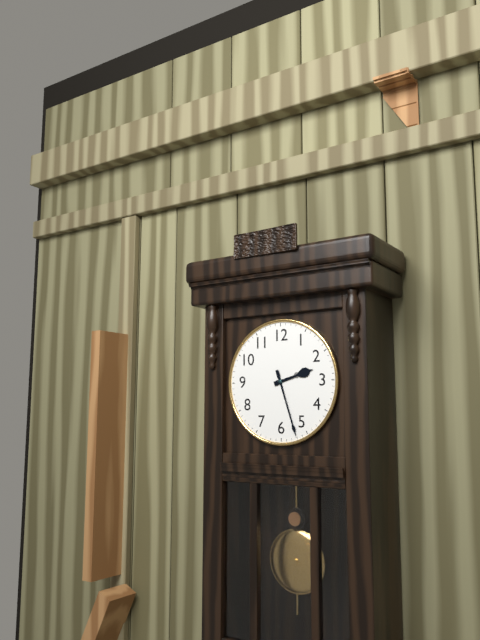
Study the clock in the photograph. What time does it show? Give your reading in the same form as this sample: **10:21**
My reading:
**2:27**
